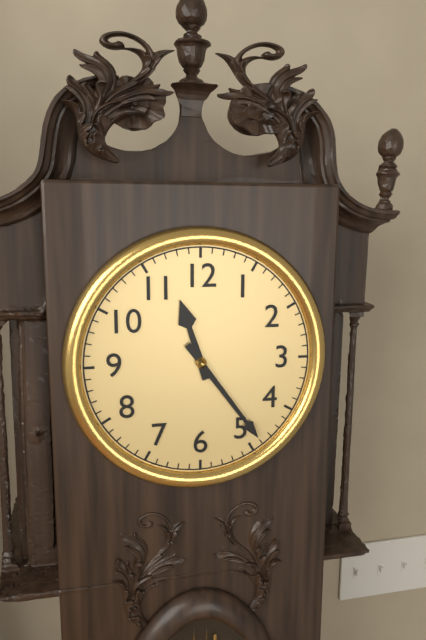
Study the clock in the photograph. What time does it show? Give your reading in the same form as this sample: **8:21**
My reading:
**11:24**
